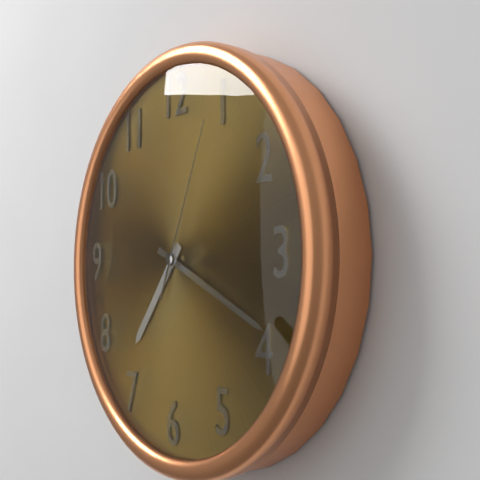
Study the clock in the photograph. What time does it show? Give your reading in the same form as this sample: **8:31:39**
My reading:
**7:19:04**
